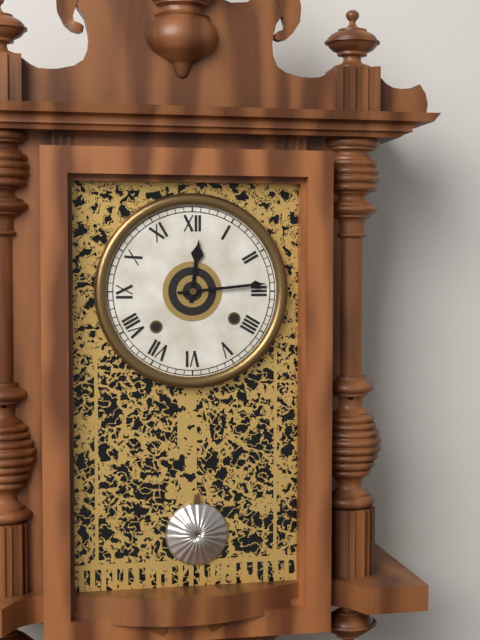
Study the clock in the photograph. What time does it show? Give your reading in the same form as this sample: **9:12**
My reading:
**12:14**
